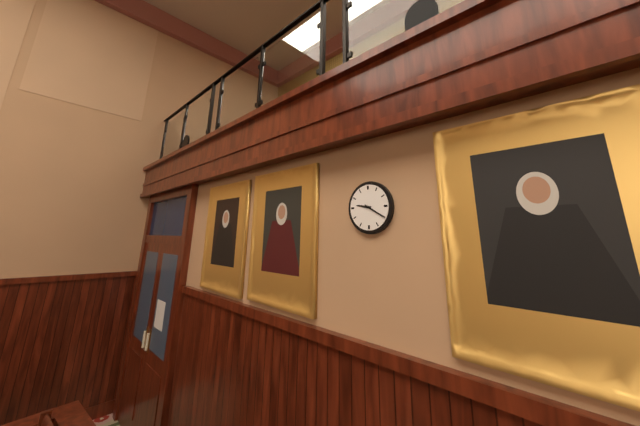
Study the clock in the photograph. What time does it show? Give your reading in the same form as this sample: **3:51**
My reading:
**9:20**
